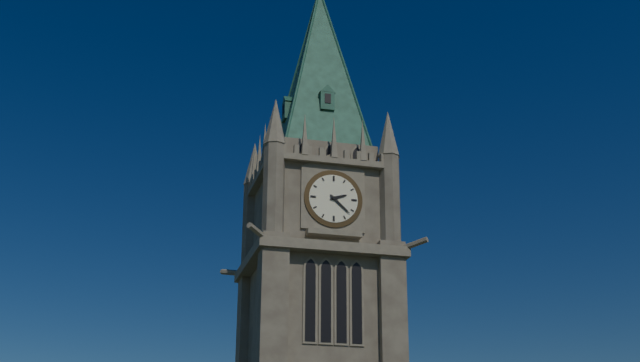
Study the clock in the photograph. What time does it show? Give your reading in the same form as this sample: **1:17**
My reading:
**2:22**
